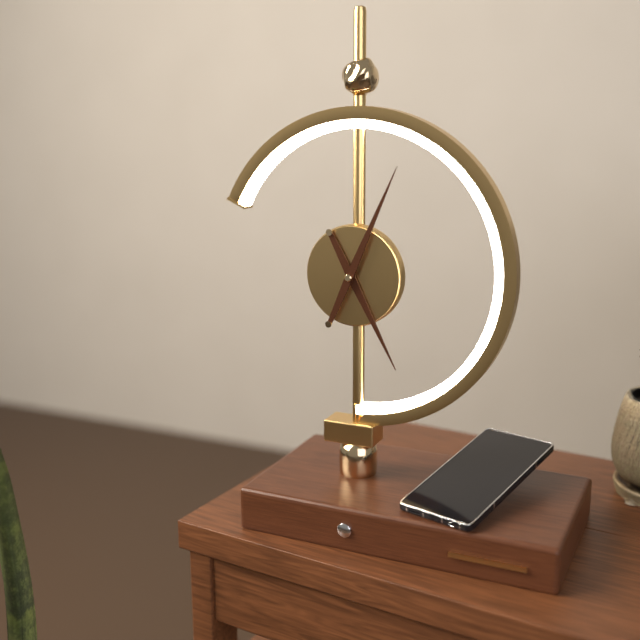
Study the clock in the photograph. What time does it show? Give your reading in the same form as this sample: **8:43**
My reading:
**5:04**
